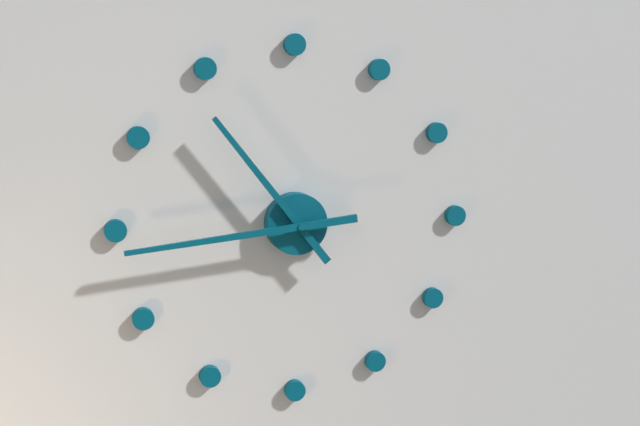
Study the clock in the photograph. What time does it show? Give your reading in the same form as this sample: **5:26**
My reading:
**10:44**
